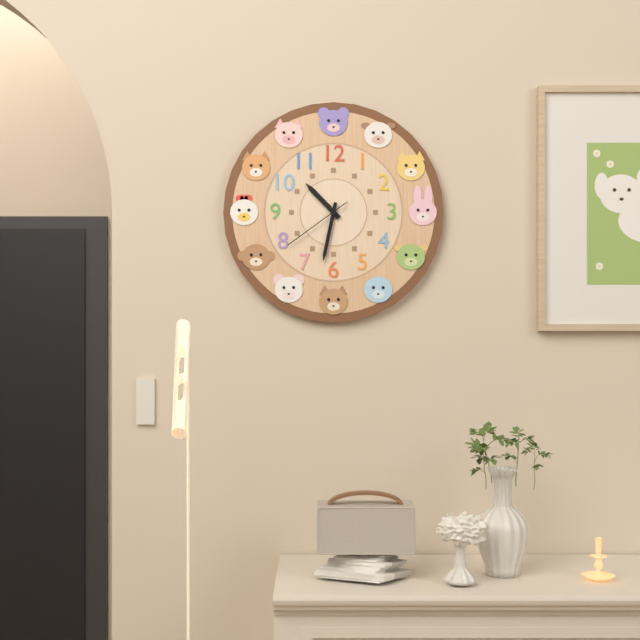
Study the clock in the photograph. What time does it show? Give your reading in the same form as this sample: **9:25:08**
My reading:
**10:32:39**
